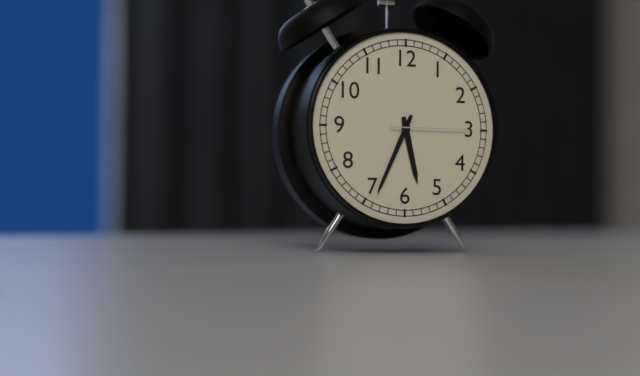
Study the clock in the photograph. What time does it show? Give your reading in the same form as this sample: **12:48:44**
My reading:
**5:34:15**
